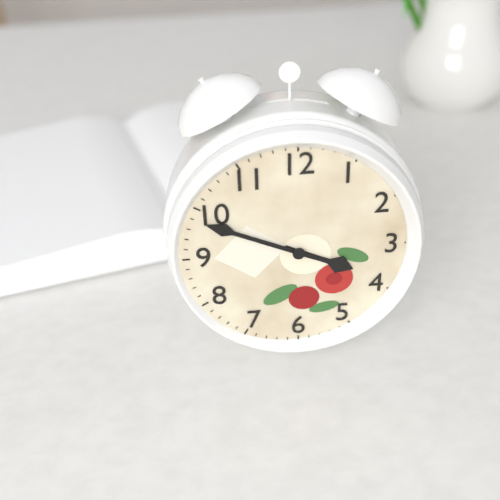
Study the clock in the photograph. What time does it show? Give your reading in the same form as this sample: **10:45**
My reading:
**3:49**
